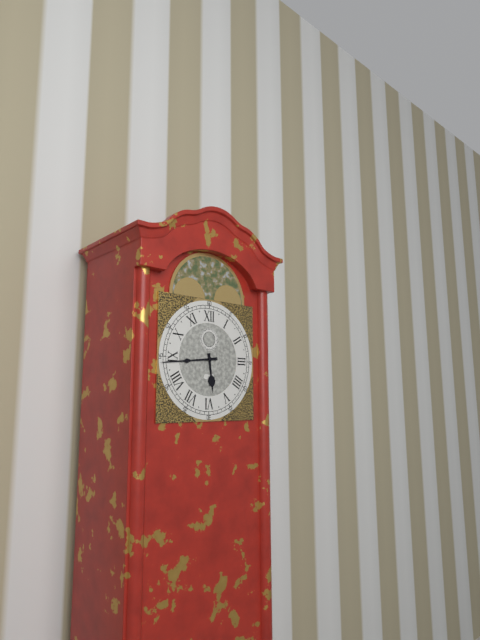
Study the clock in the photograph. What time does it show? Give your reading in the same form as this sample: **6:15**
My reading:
**5:44**
